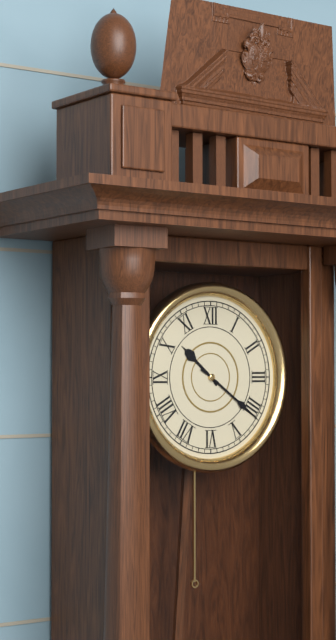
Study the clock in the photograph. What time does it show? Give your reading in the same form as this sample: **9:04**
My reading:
**10:21**
